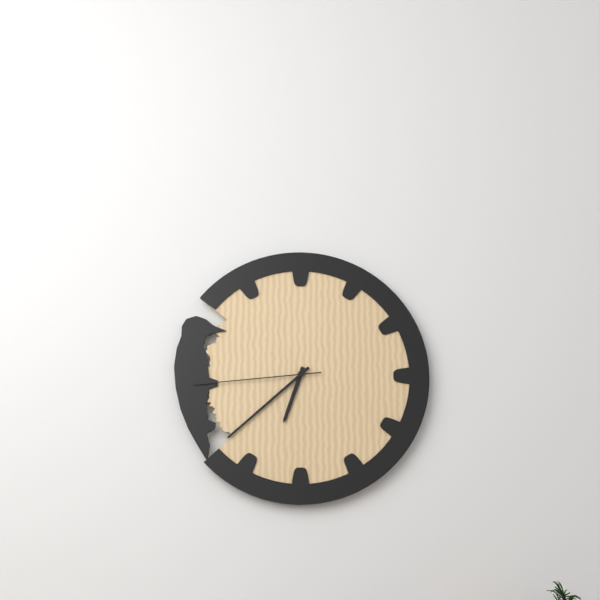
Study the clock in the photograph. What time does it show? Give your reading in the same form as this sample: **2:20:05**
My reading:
**6:38:44**
